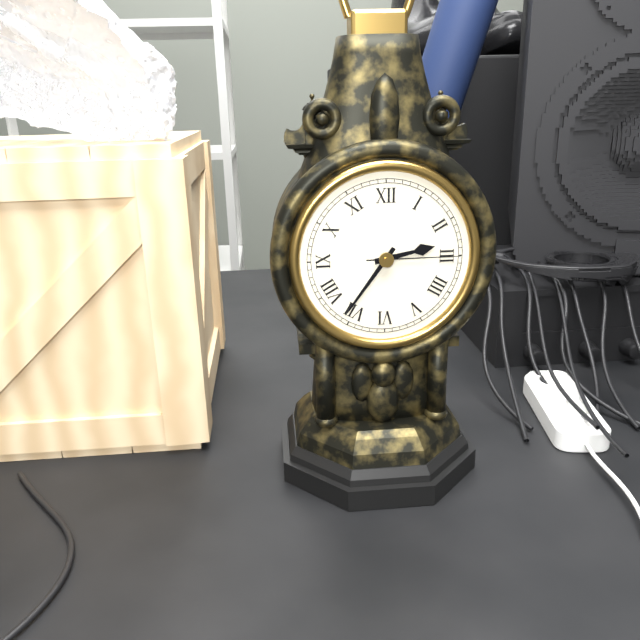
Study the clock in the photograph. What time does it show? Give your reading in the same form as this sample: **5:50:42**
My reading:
**2:36:15**
